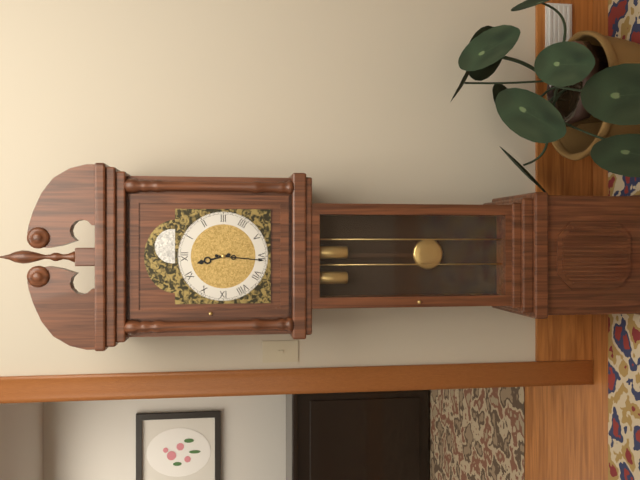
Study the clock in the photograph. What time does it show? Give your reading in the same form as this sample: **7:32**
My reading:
**11:31**
